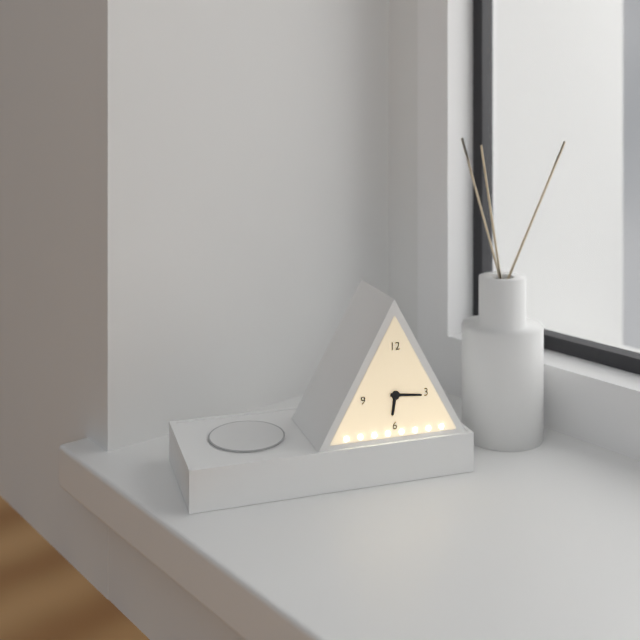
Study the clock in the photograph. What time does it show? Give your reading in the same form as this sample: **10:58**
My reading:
**6:16**
